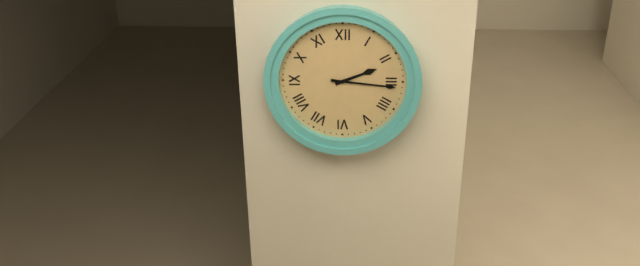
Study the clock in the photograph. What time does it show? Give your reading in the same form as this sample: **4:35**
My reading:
**2:16**
